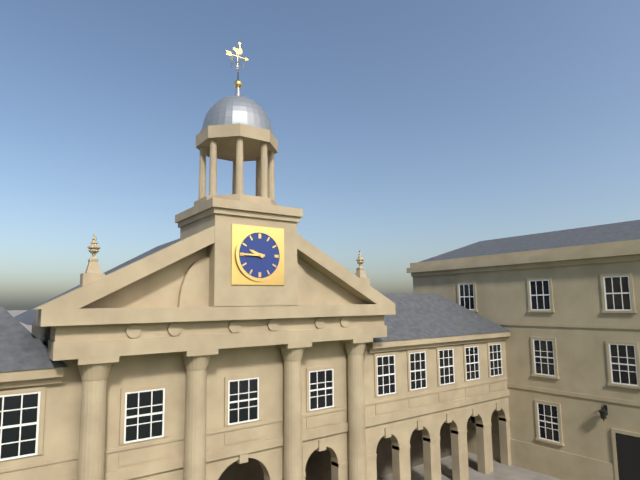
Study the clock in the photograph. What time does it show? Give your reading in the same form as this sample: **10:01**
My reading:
**9:45**
